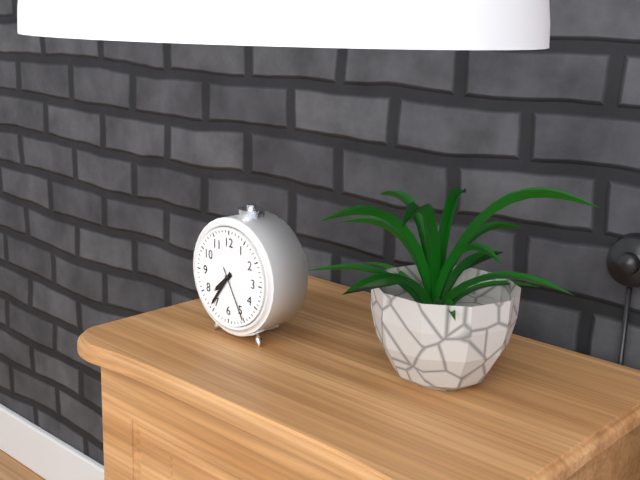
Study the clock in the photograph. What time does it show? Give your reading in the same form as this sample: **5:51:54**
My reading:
**7:36:25**
